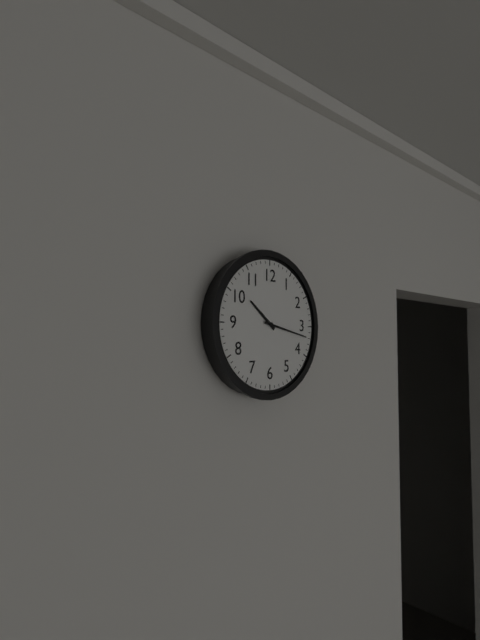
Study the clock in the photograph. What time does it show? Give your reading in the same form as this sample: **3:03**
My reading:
**10:17**
